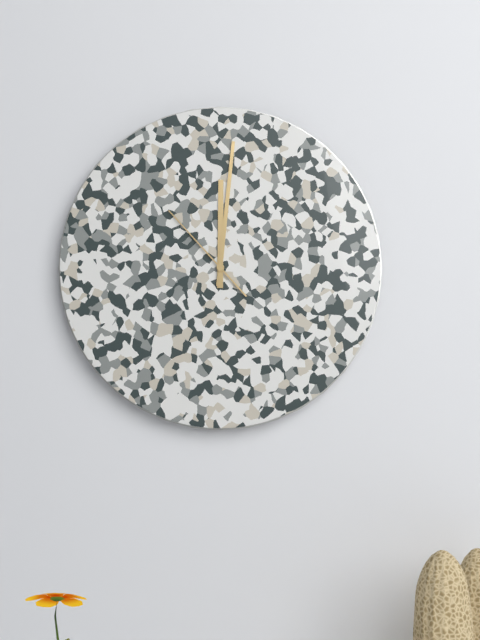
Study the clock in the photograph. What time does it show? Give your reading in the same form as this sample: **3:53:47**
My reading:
**12:01:53**
